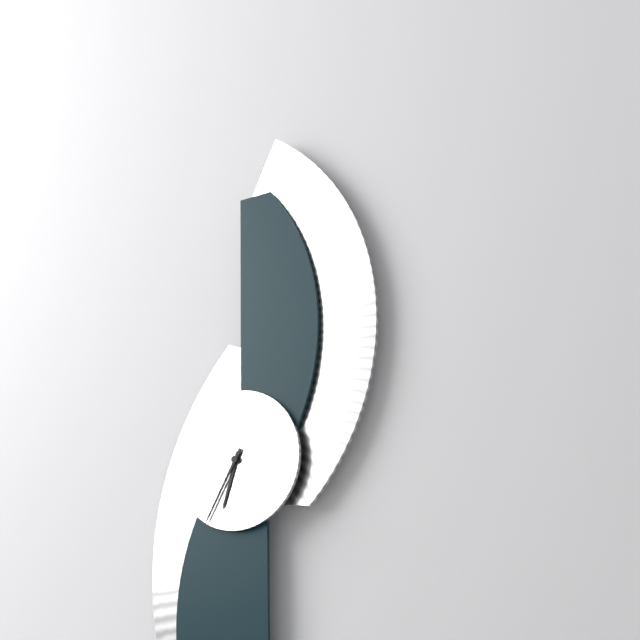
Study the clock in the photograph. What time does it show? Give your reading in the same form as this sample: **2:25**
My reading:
**6:35**
